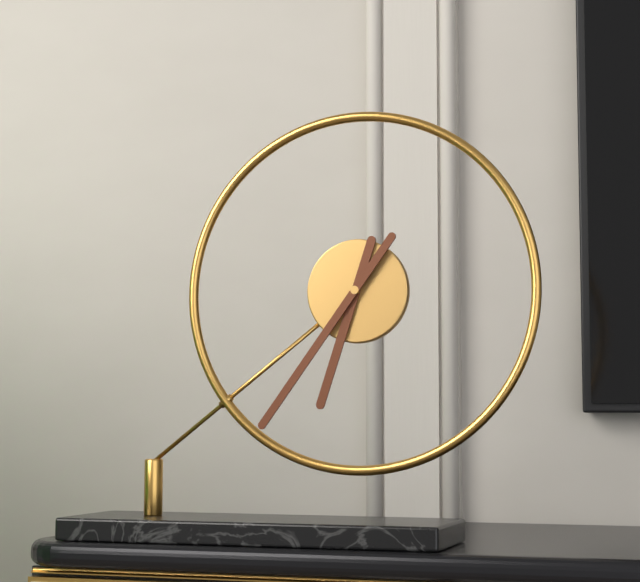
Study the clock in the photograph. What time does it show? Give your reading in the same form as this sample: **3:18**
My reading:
**6:36**
